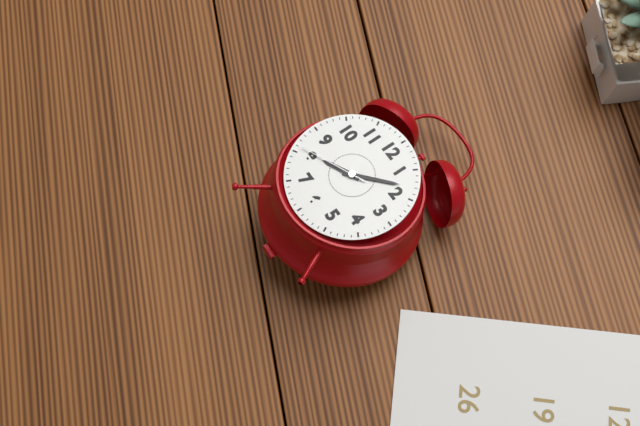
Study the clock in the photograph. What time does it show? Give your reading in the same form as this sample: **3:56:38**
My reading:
**8:08:41**
